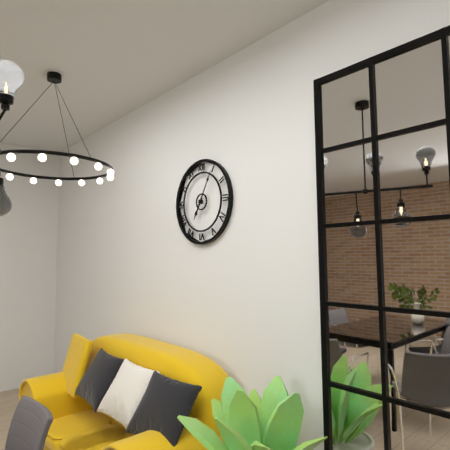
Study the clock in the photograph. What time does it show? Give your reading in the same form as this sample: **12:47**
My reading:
**7:05**
